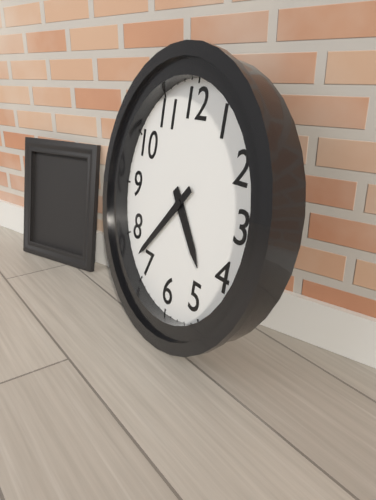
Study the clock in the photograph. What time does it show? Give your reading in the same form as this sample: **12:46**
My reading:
**4:37**
